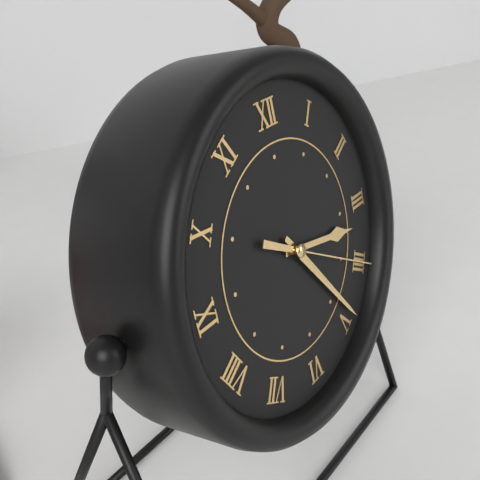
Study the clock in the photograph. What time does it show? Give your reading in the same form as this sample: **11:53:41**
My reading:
**3:24:20**
